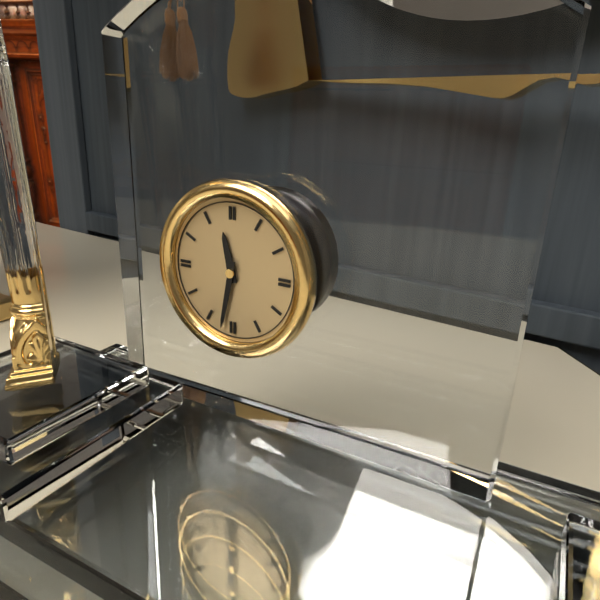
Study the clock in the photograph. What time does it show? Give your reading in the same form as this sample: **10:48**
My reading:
**11:32**
